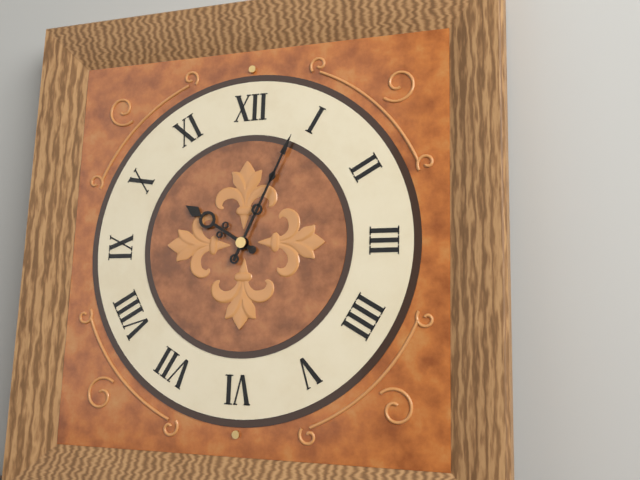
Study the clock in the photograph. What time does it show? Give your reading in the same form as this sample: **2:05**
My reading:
**10:04**
